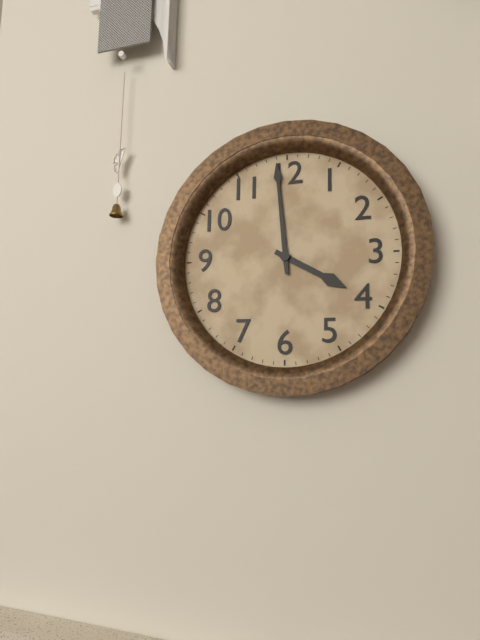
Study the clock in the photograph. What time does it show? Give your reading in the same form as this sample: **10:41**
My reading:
**3:59**
